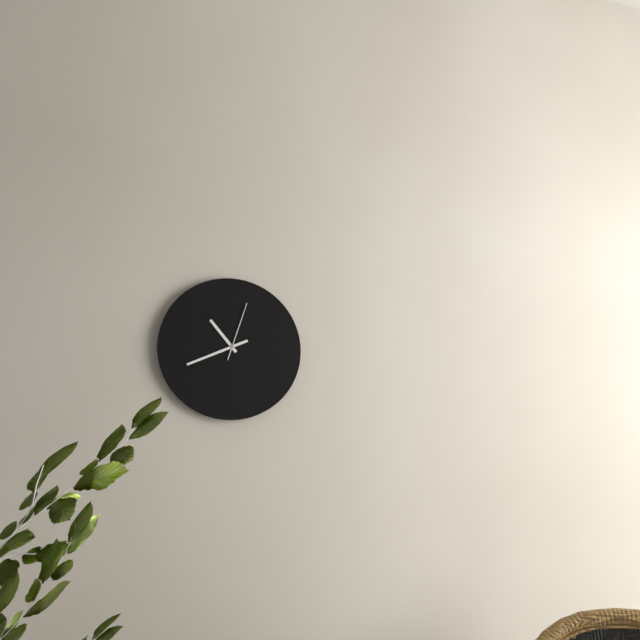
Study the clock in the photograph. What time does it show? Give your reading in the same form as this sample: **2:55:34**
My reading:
**10:41:03**
